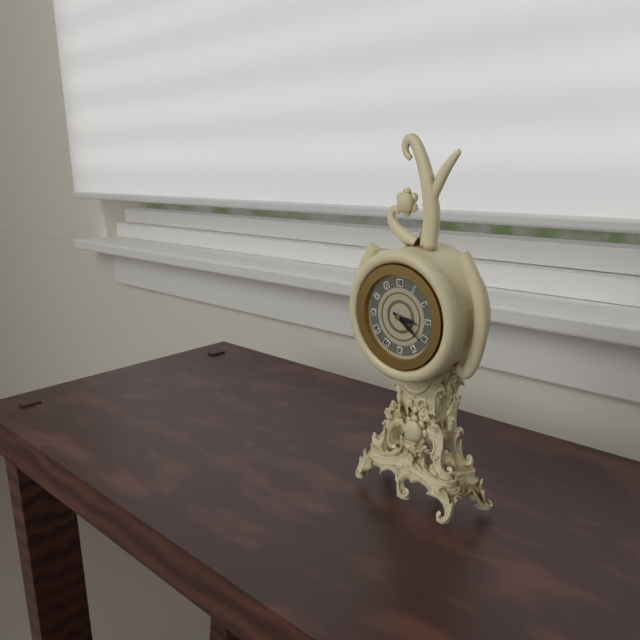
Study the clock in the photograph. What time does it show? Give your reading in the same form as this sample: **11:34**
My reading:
**3:21**
